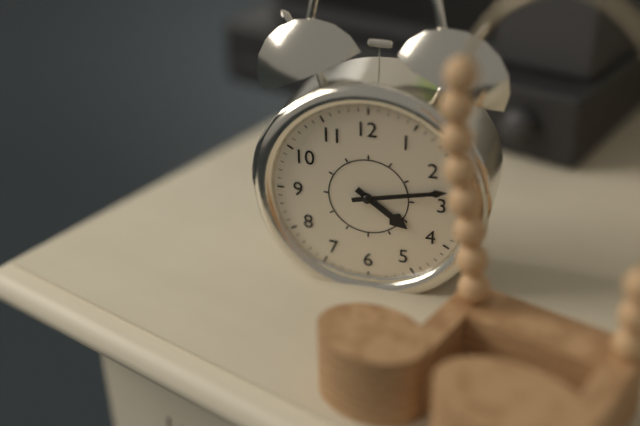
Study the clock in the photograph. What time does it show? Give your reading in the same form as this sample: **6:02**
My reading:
**4:13**
